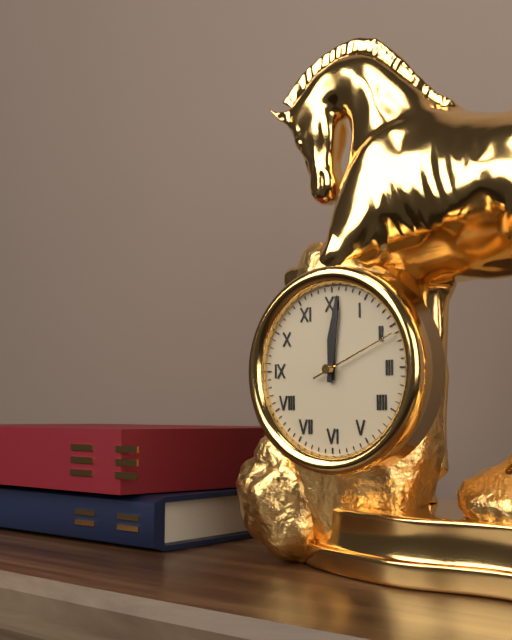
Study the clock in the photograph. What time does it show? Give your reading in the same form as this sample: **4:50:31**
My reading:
**12:01:11**
